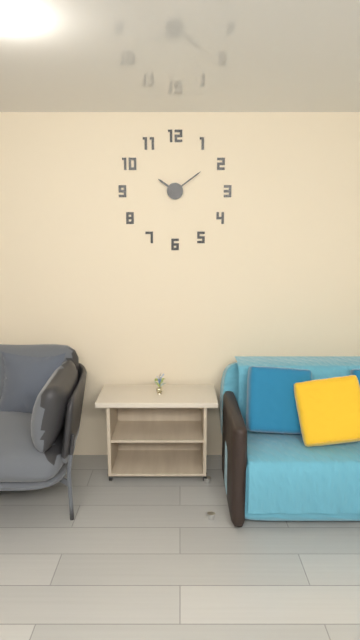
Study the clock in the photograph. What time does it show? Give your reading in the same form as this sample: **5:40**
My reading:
**10:09**
